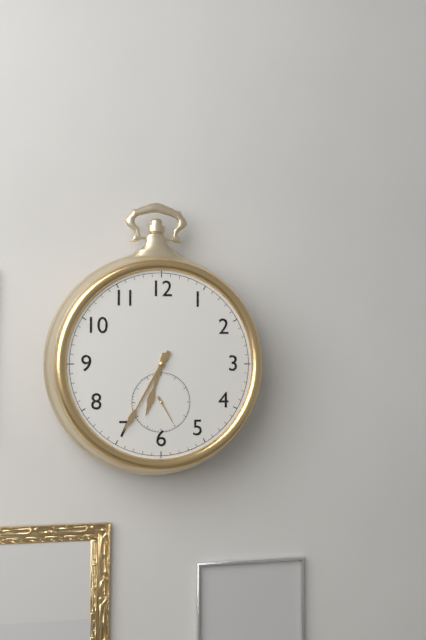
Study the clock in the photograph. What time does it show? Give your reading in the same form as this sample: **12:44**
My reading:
**6:35**
